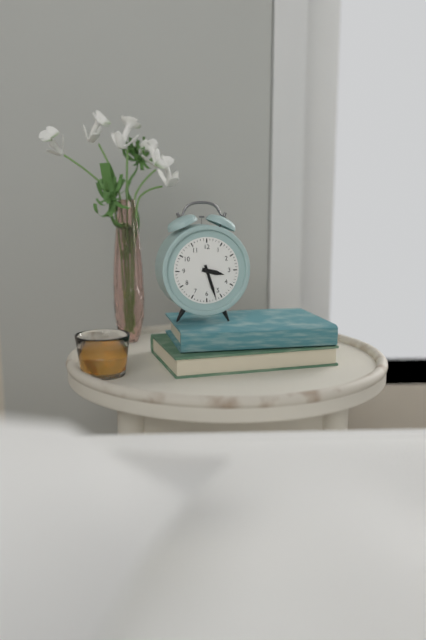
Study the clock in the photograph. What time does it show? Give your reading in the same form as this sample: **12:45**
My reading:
**3:27**
